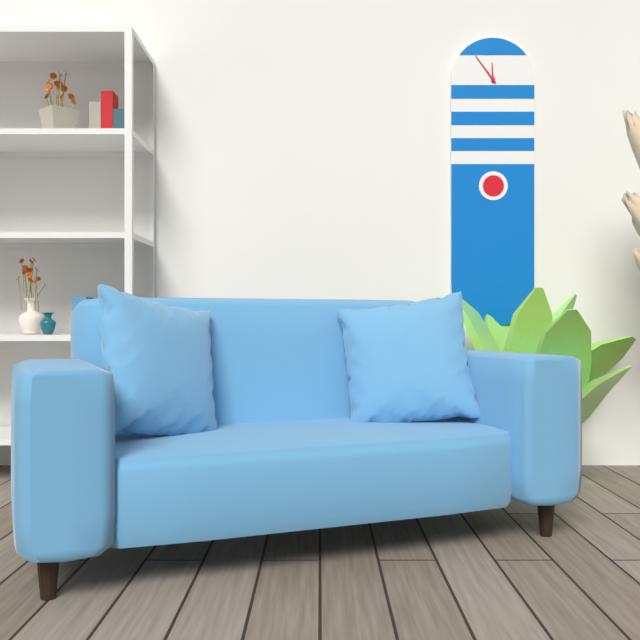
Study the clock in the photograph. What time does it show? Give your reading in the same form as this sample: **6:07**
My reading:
**11:54**
